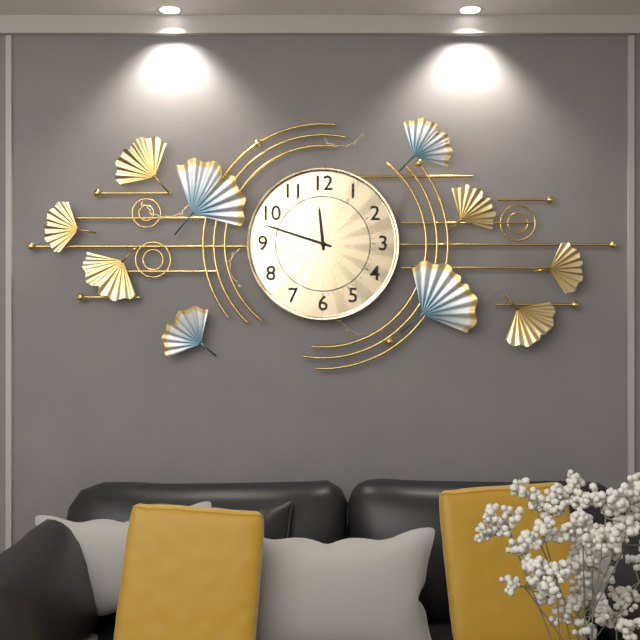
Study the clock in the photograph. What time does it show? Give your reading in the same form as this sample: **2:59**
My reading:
**11:48**
